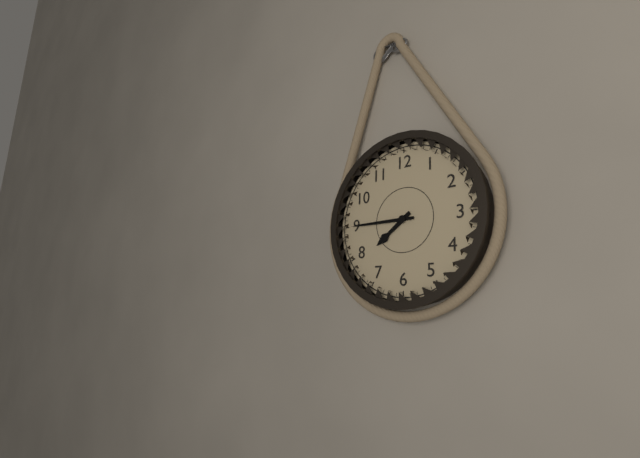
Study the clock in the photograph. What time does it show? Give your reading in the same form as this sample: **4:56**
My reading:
**7:45**
